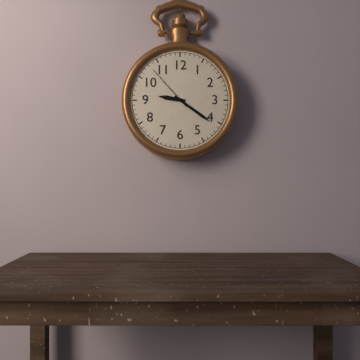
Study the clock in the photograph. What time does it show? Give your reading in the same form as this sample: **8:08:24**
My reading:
**9:21:53**
